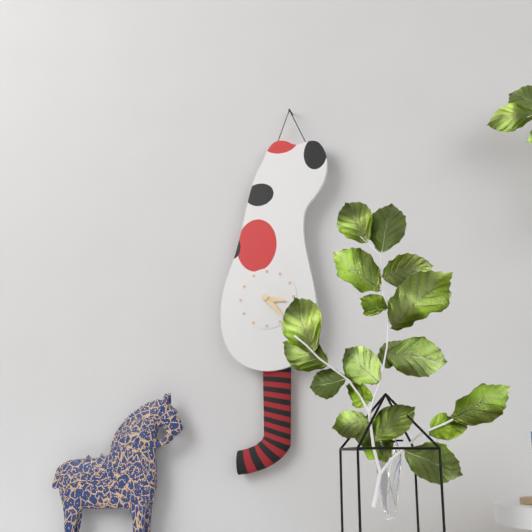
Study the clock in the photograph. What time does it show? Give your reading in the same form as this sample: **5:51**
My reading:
**3:23**
